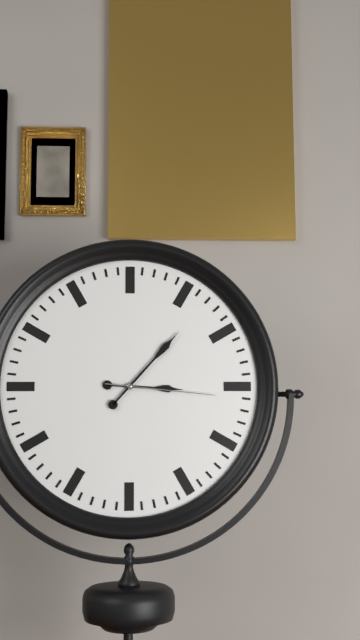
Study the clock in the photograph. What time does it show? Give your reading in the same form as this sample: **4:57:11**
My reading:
**3:07:16**
